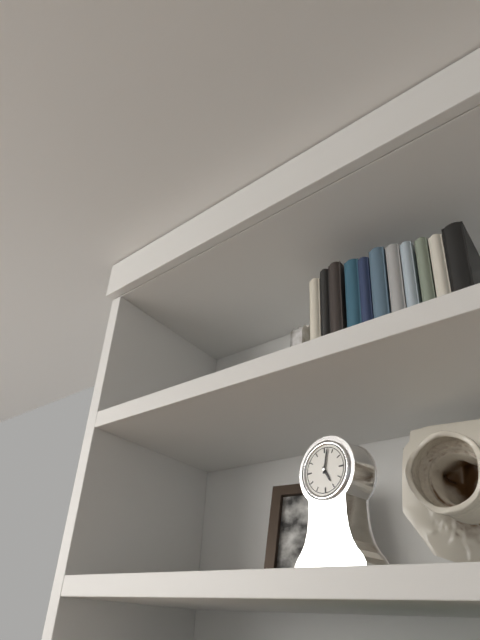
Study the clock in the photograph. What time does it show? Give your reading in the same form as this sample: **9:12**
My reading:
**5:02**
